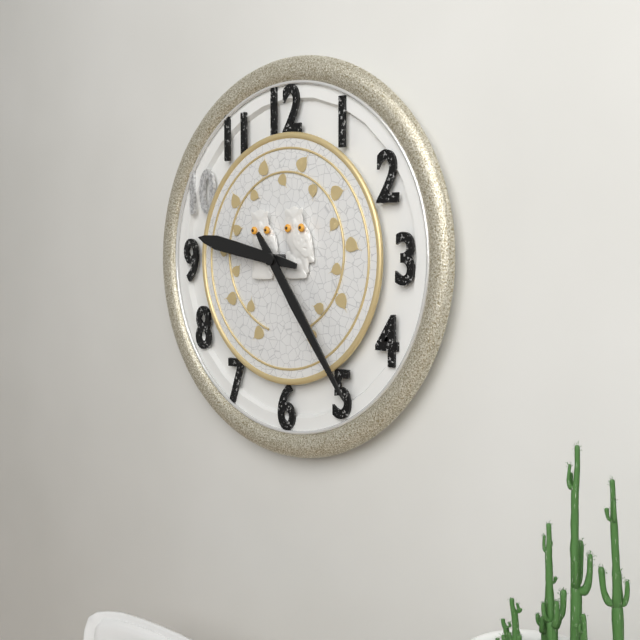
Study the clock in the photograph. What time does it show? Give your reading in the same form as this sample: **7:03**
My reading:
**9:24**
